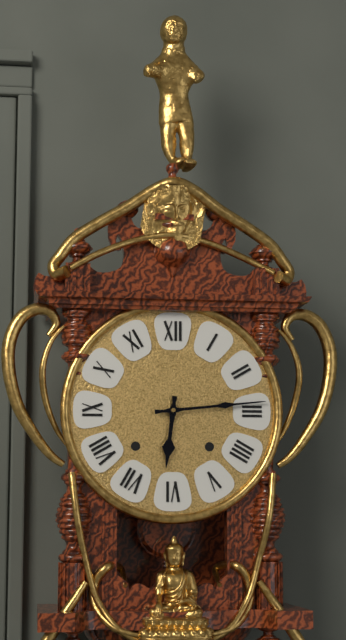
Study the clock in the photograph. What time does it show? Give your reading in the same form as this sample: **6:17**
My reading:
**6:14**
